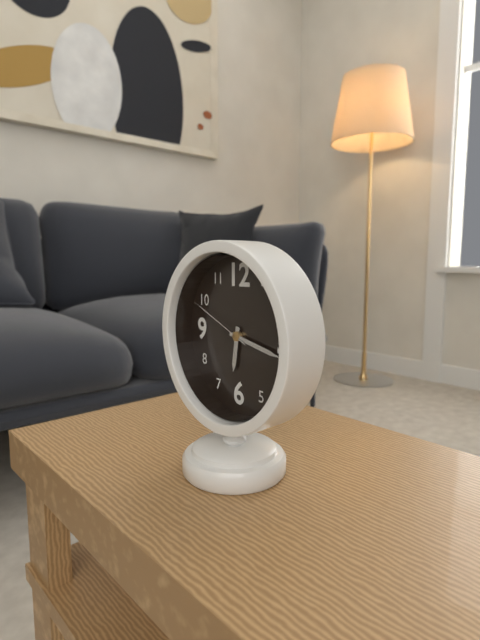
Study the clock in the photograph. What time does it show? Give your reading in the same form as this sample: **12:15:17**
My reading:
**6:17:49**
